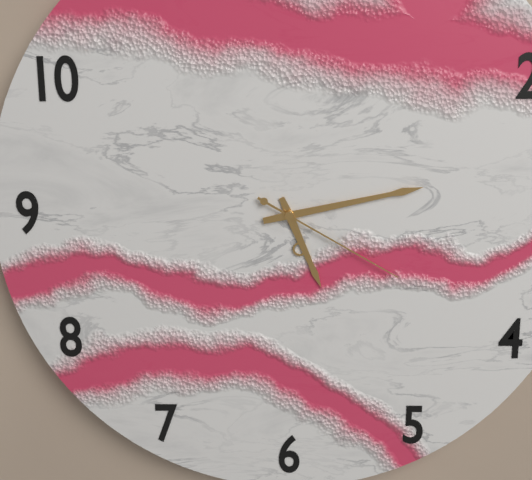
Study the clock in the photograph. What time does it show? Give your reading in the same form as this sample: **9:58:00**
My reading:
**5:13:20**
